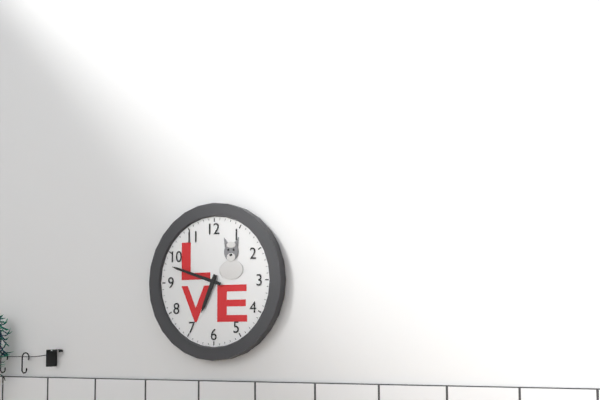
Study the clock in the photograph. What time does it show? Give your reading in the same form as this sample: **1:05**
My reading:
**6:48**
